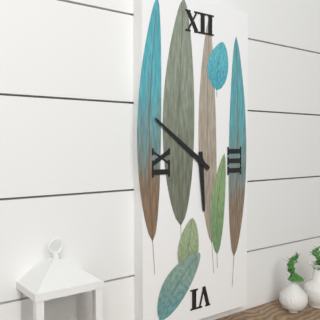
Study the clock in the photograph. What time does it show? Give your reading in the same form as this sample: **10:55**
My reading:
**5:51**
